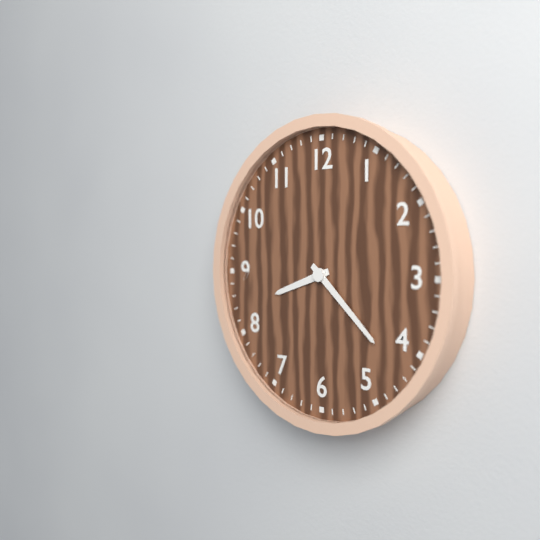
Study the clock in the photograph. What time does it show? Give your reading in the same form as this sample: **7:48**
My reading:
**8:22**
